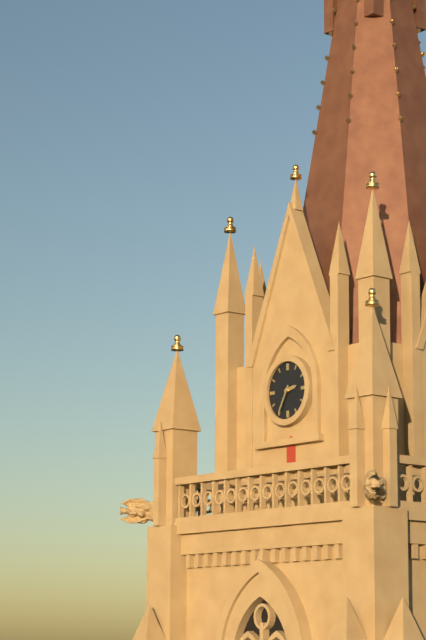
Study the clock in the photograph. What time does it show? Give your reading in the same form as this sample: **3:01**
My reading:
**2:35**
